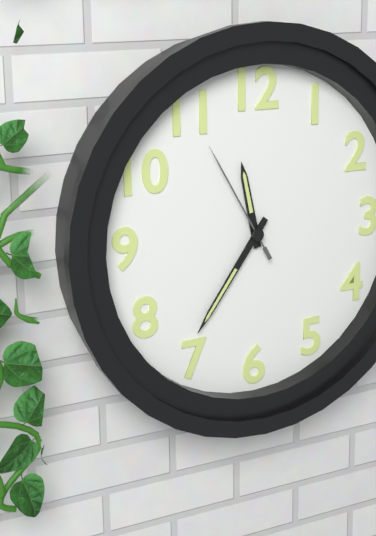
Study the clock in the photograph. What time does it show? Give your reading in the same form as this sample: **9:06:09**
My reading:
**11:36:55**
